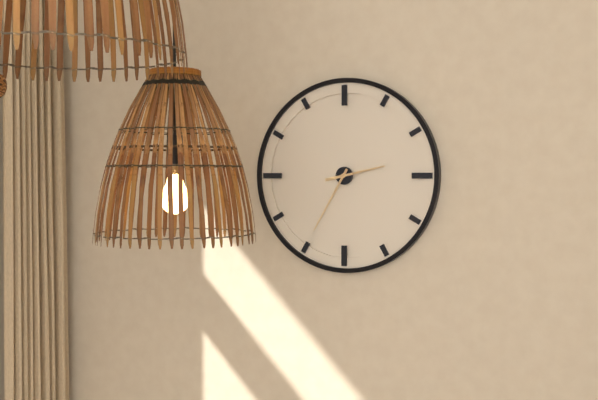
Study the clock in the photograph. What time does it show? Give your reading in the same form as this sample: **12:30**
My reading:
**2:35**
